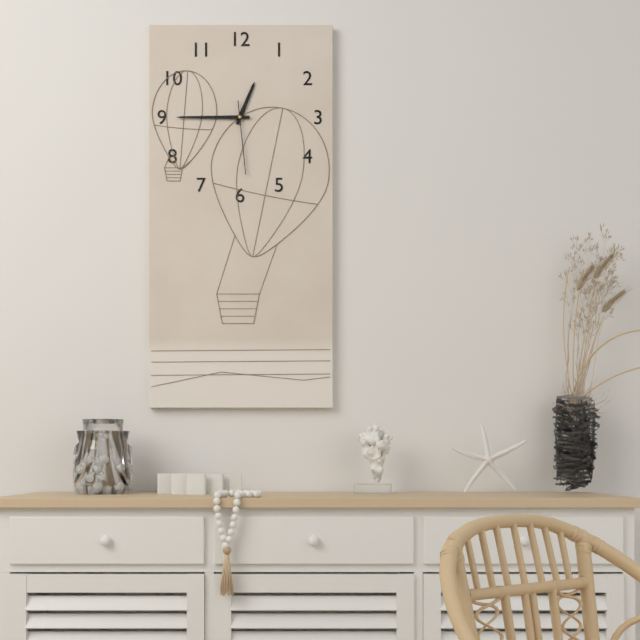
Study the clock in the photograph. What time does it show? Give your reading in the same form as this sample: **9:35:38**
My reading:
**12:45:29**
